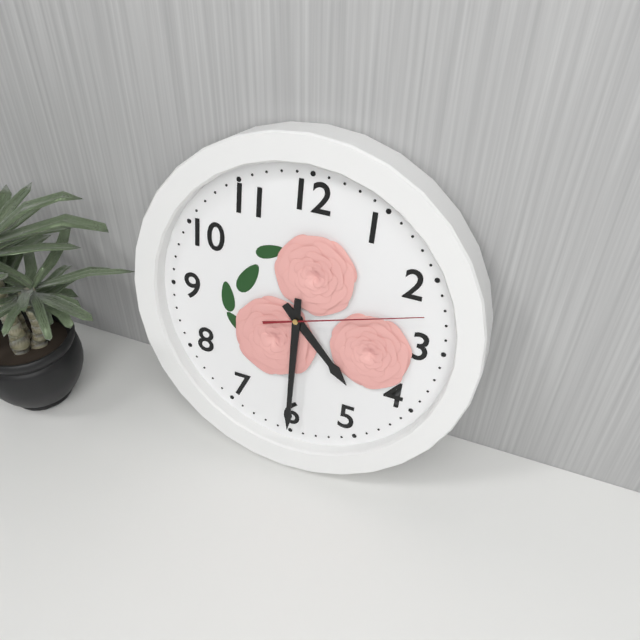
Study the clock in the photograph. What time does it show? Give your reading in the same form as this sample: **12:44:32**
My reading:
**4:30:12**
